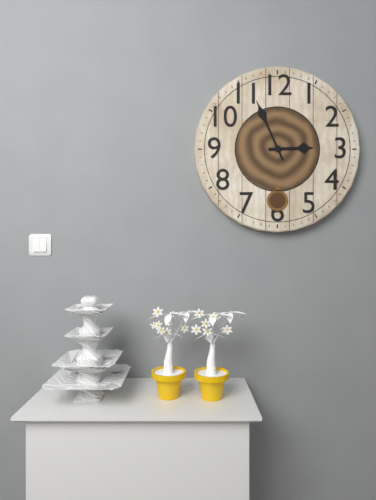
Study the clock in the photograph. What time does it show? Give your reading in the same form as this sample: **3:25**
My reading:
**2:56**
